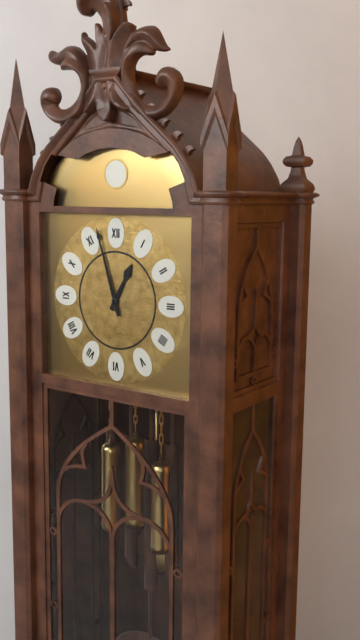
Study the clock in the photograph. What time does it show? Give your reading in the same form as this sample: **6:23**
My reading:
**12:57**
